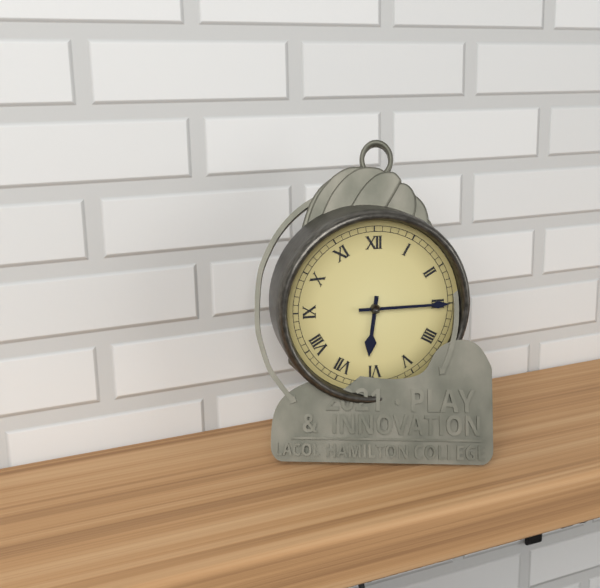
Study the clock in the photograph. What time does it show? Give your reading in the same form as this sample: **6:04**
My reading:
**6:15**
